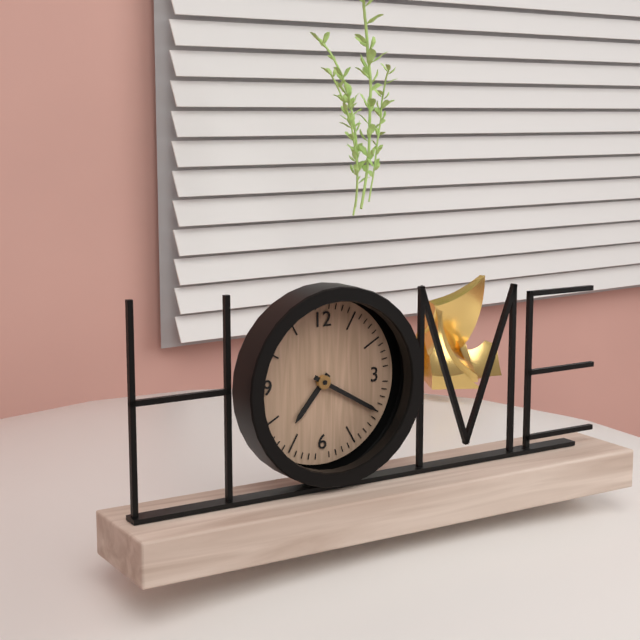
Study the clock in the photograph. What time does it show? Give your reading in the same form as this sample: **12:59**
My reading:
**7:20**
